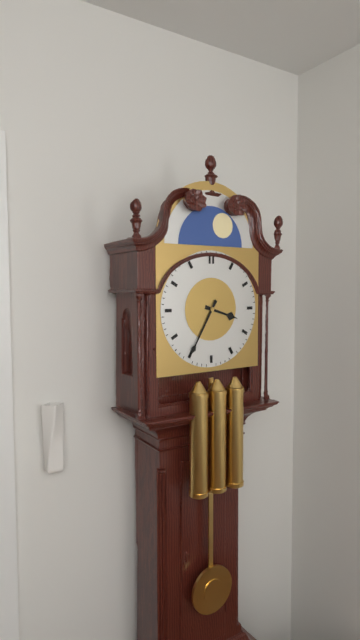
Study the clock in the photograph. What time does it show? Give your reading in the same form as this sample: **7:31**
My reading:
**3:35**
